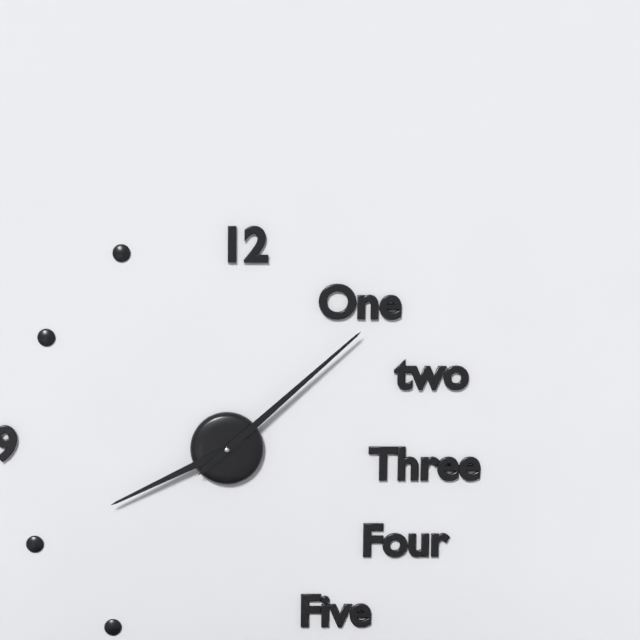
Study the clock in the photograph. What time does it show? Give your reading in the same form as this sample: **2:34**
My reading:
**8:08**
